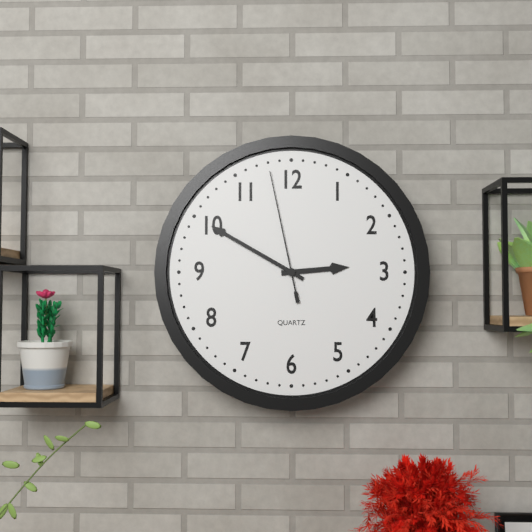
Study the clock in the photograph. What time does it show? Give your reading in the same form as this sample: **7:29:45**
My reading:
**2:50:58**
